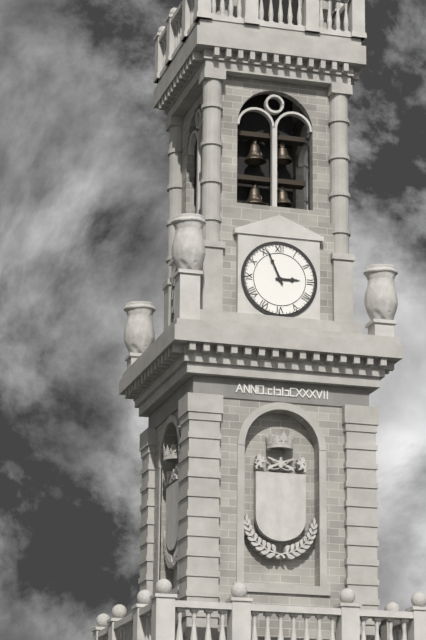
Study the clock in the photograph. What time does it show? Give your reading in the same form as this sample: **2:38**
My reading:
**2:56**
